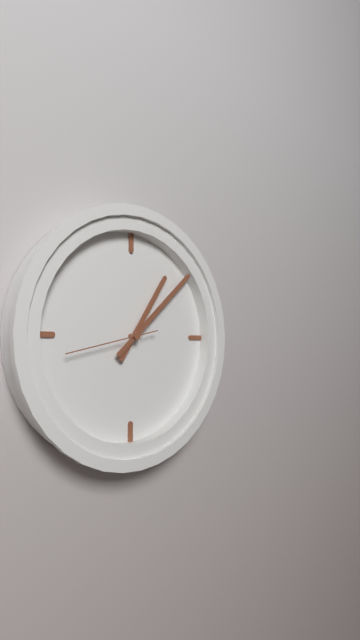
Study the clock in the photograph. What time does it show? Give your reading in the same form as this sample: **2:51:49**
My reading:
**1:08:43**
